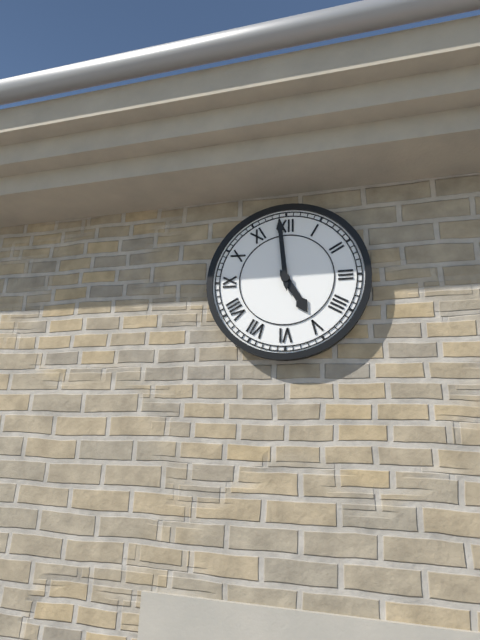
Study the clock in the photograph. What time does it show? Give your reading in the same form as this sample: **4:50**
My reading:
**4:59**
